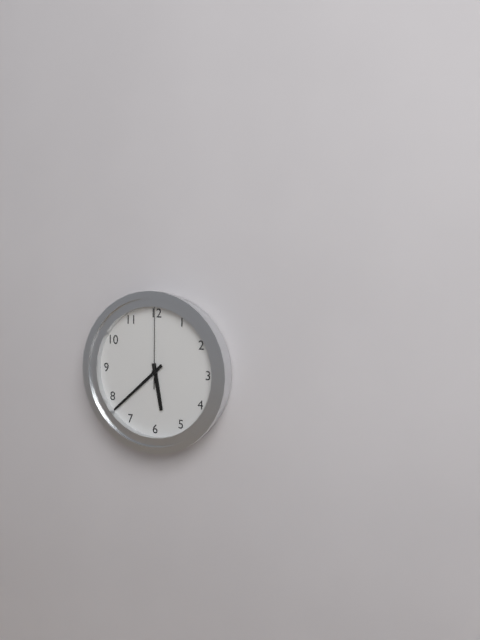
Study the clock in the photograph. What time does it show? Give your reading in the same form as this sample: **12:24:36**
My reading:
**5:38:00**
